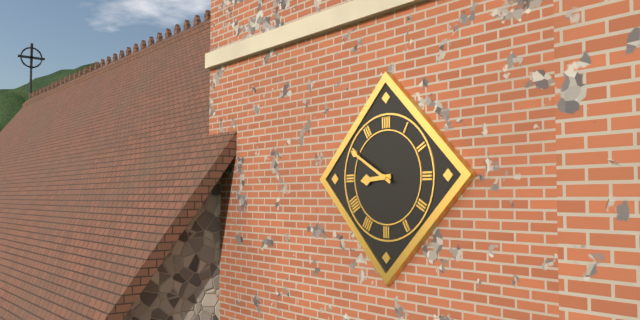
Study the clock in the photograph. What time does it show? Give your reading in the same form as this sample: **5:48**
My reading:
**8:50**
